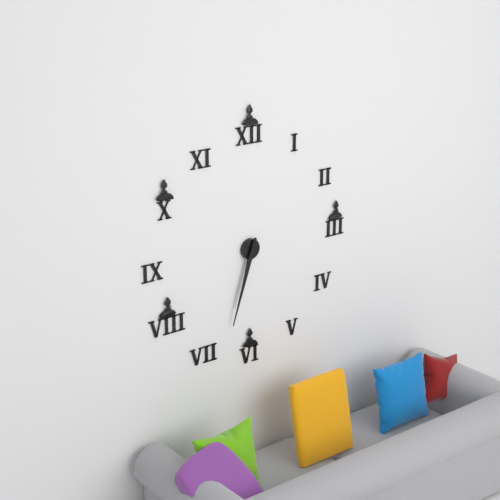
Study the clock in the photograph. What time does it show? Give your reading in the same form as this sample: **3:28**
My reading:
**6:33**
